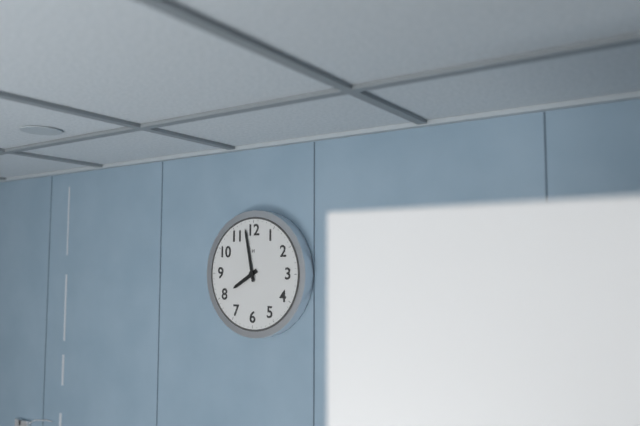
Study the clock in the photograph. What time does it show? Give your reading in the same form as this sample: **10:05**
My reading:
**7:58**
